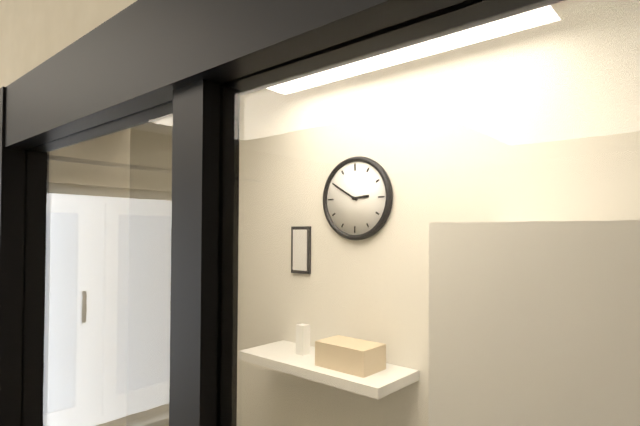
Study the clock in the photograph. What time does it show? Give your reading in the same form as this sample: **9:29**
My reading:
**2:50**
